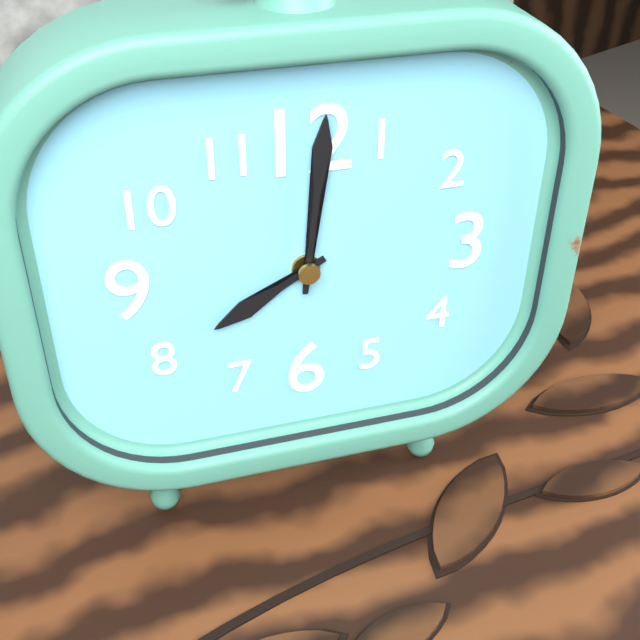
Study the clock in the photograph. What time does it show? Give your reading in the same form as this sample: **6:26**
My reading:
**8:01**
